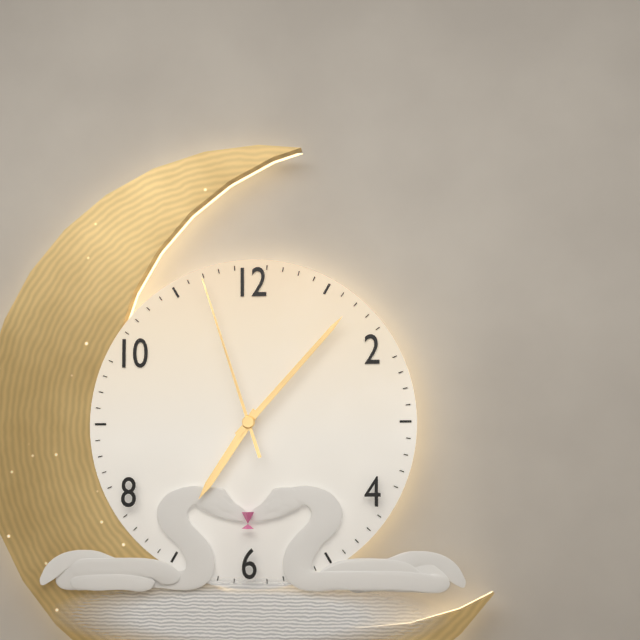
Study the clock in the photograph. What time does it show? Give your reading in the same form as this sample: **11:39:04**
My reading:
**7:07:57**
